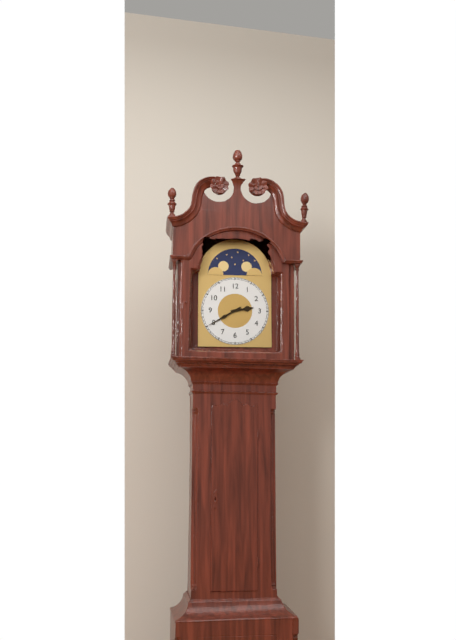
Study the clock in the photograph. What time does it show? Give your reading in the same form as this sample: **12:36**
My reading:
**2:40**
